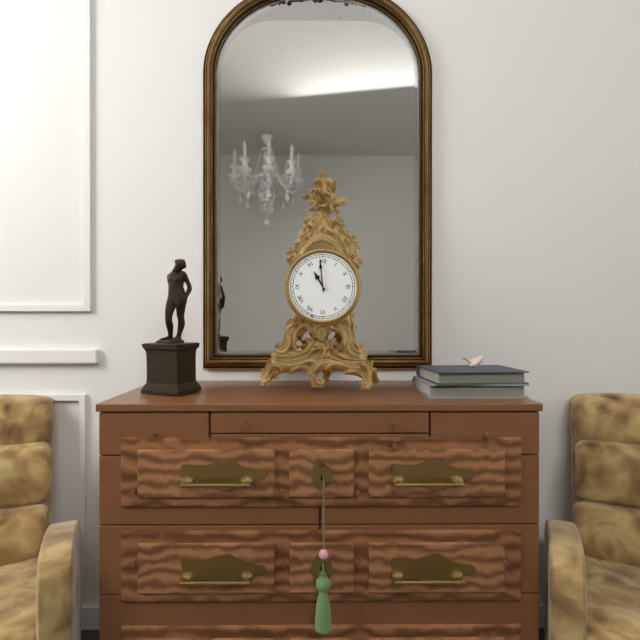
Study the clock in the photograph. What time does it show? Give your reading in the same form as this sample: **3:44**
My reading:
**10:59**
